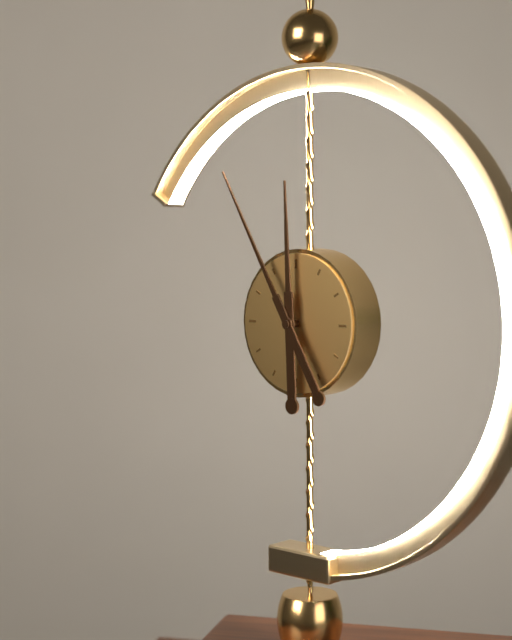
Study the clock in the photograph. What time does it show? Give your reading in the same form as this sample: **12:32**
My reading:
**11:55**
